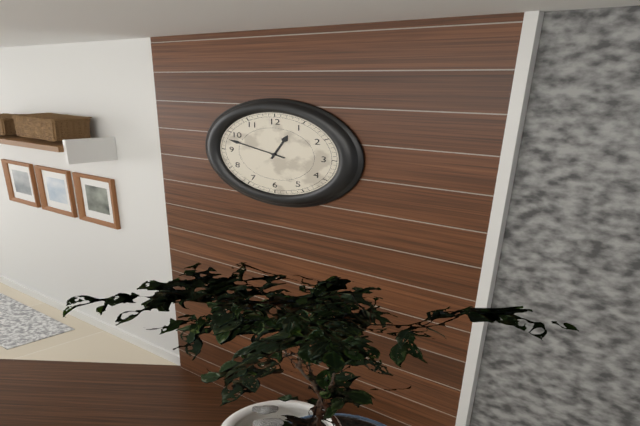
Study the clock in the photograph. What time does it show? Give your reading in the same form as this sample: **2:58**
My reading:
**12:48**
